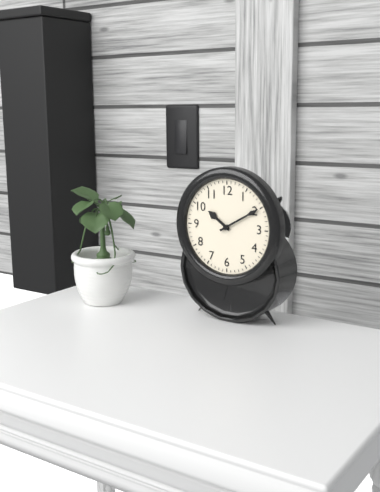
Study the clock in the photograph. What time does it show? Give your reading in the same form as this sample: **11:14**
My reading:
**10:10**
